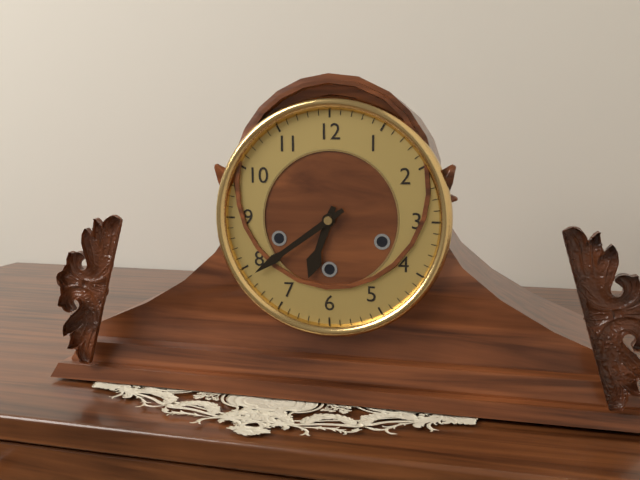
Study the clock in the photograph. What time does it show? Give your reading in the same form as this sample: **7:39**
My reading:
**6:39**
